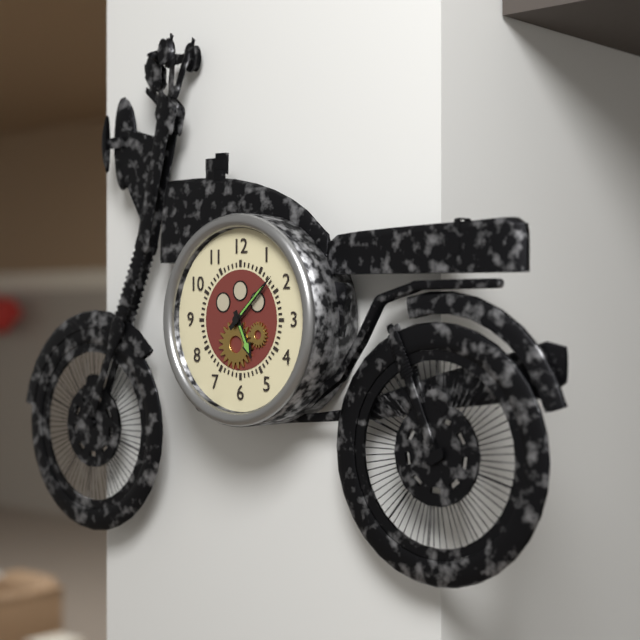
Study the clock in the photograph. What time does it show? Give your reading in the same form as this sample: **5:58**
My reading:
**5:08**
